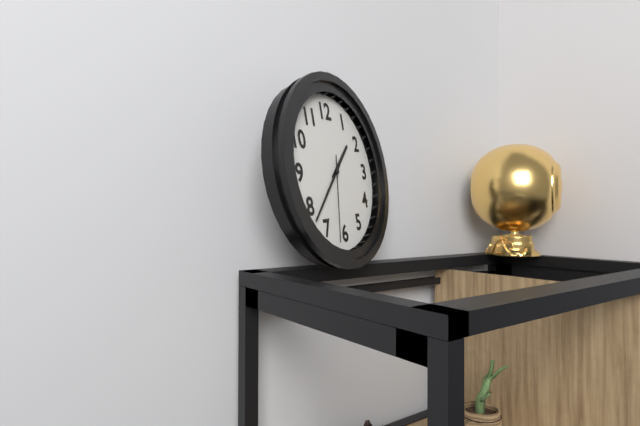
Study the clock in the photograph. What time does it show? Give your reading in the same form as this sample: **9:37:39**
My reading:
**1:38:32**
